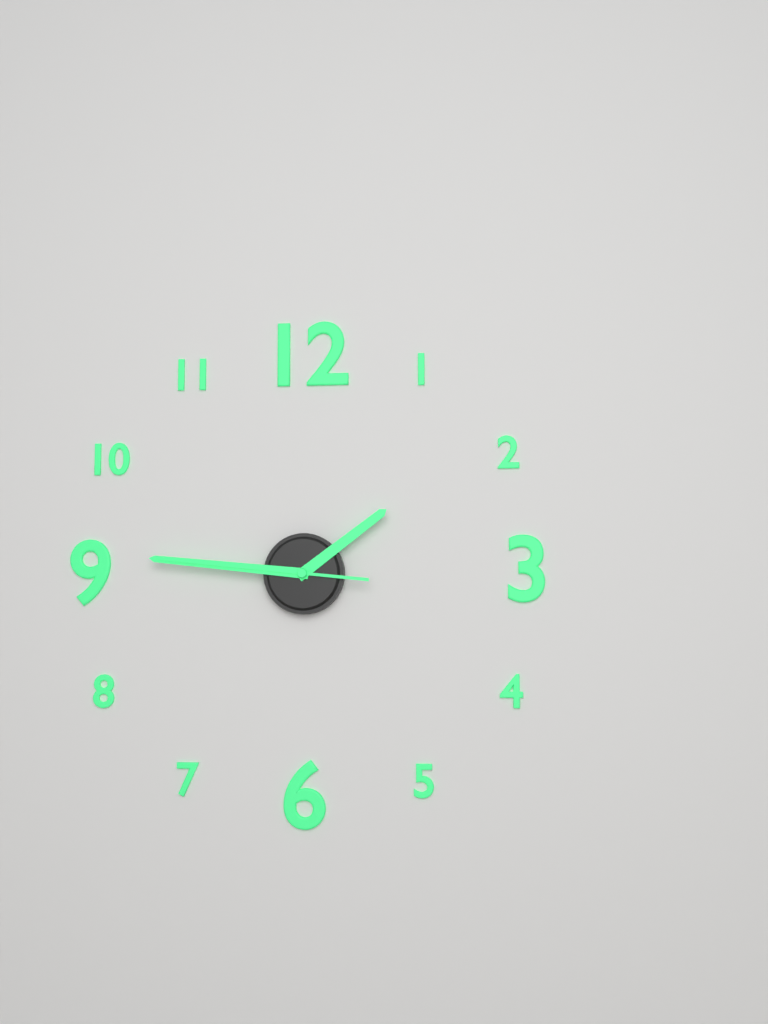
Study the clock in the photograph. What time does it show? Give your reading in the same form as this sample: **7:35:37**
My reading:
**1:46:46**
